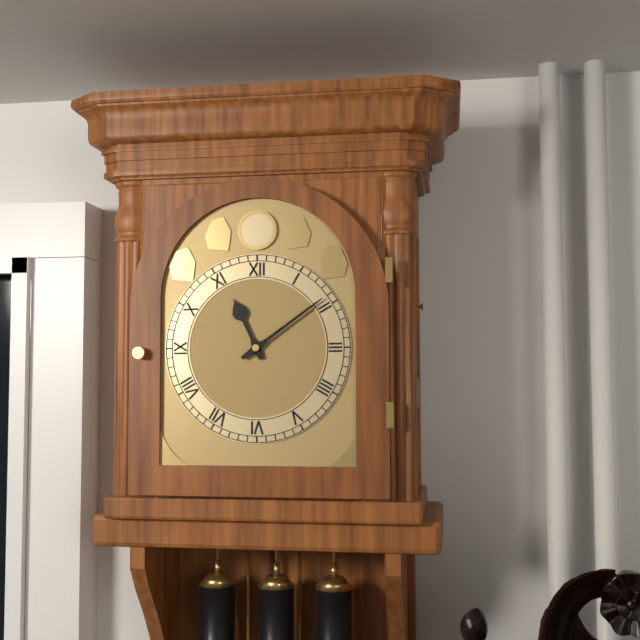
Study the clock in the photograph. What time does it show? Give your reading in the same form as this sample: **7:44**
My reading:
**11:09**
